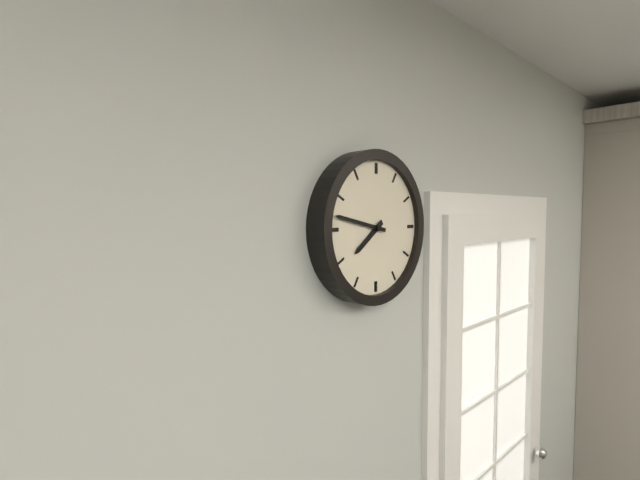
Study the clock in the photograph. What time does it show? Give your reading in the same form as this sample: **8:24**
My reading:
**7:47**
